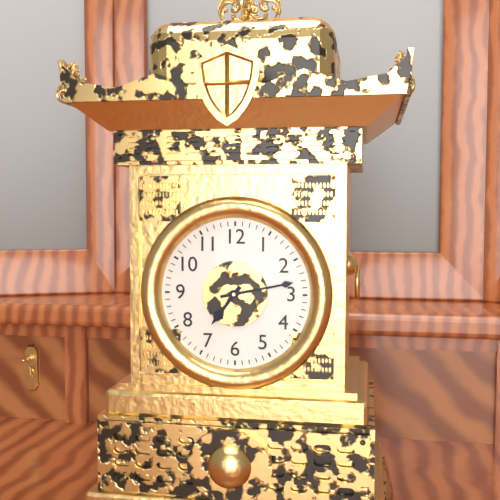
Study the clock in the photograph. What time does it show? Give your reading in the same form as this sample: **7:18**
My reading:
**7:13**
